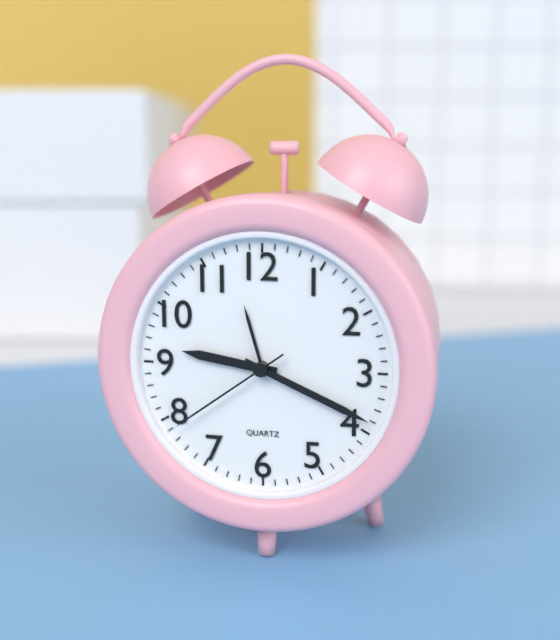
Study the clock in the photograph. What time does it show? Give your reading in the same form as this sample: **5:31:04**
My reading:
**9:19:39**
